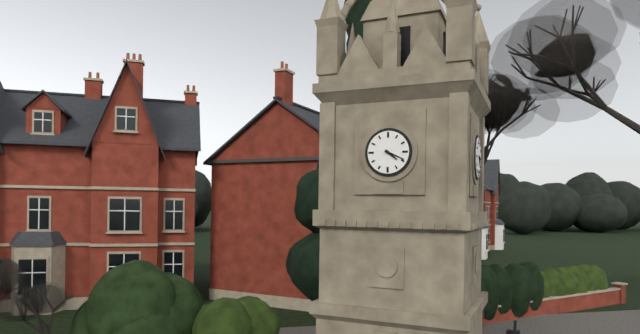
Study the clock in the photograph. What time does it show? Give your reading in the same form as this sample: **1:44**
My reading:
**4:19**
